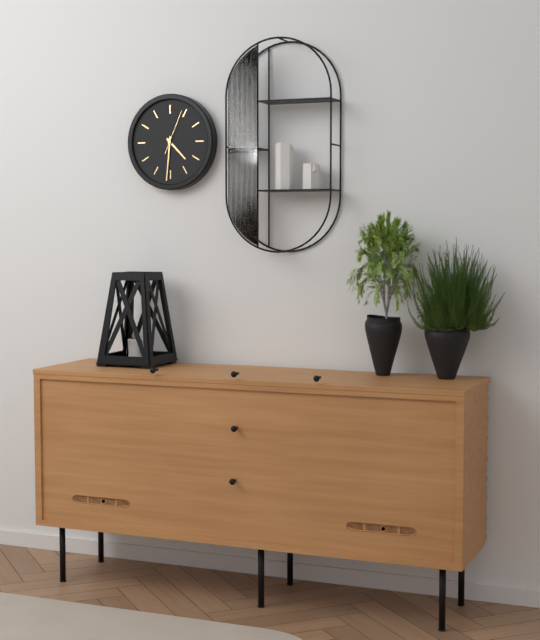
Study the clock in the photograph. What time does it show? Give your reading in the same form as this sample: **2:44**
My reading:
**4:31**
